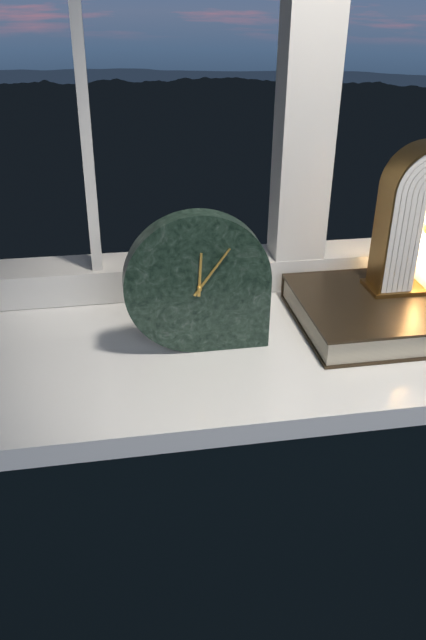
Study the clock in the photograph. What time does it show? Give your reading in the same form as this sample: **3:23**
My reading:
**12:06**
